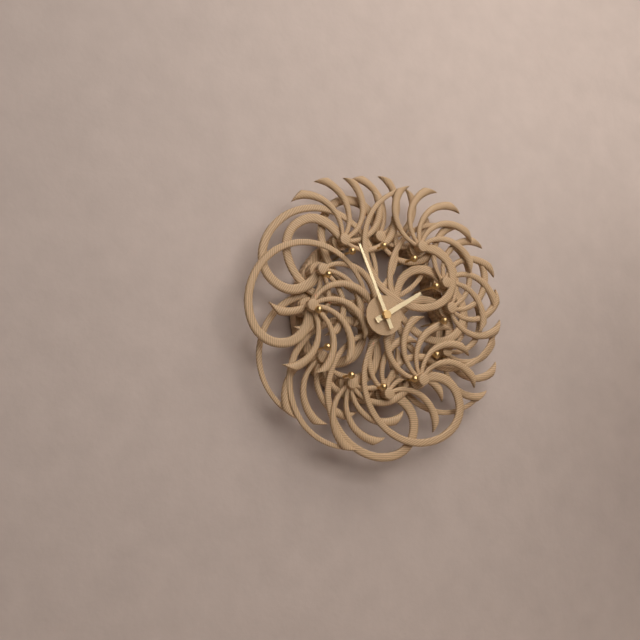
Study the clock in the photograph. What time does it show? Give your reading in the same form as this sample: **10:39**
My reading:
**1:56**
